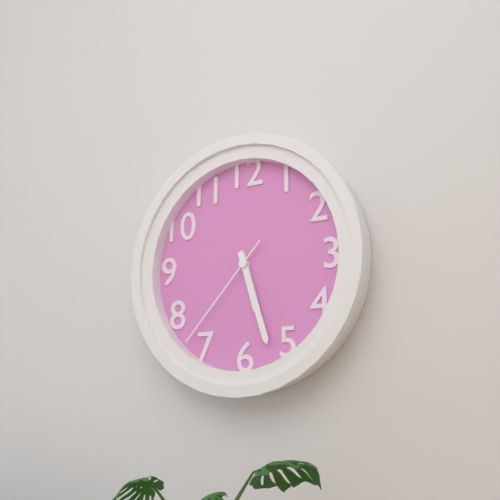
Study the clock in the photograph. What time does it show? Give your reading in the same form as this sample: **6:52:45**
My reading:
**5:27:37**
